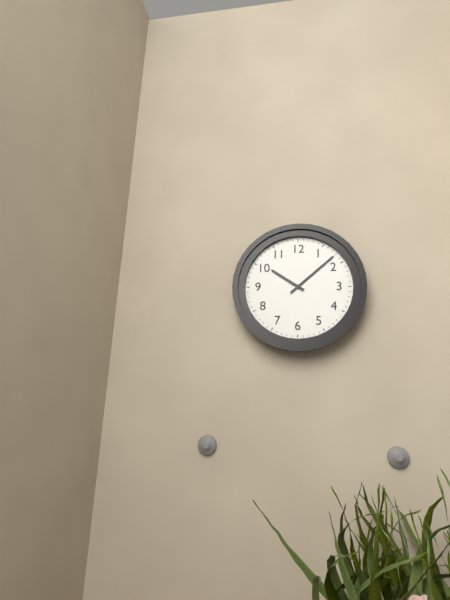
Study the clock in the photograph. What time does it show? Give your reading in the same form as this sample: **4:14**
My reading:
**10:08**
